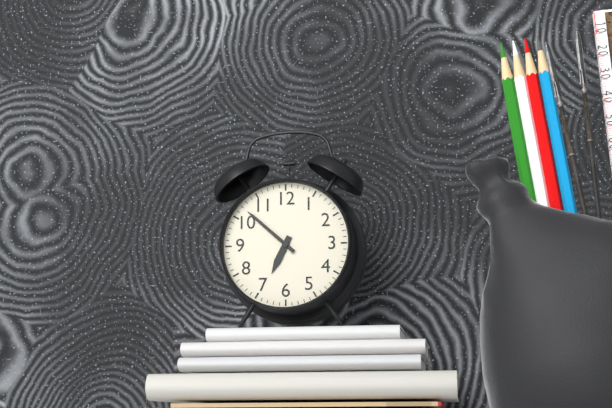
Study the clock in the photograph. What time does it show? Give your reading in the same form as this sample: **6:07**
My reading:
**6:52**
